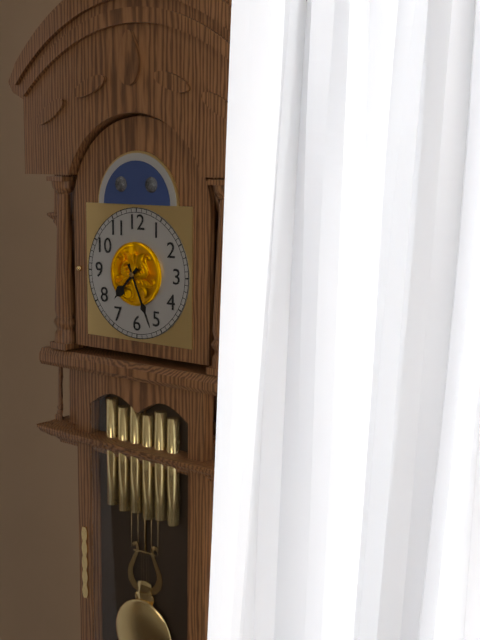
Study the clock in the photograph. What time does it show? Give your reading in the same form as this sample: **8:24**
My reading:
**7:26**
